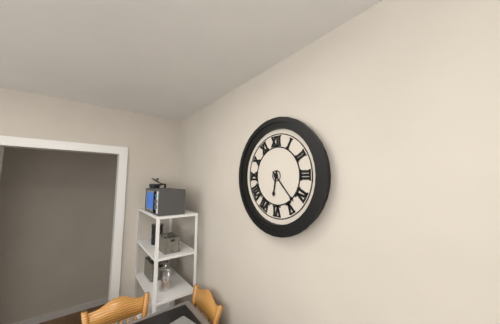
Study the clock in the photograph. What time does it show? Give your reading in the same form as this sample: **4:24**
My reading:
**6:23**
